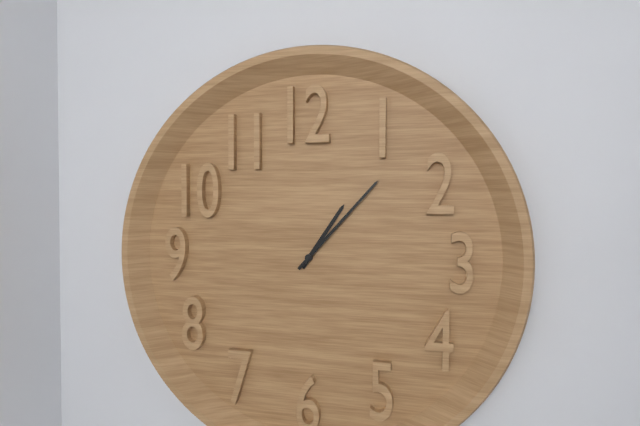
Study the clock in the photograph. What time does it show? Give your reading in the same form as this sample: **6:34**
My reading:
**1:07**
